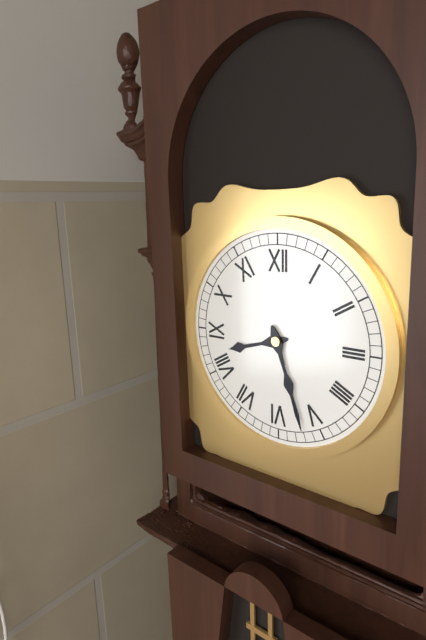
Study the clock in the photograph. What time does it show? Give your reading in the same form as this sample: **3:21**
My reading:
**8:27**
